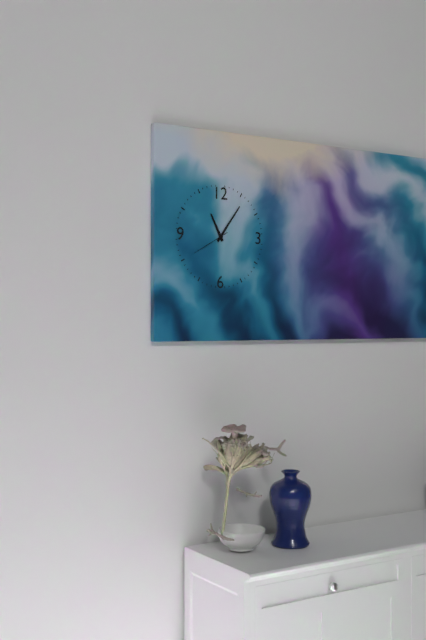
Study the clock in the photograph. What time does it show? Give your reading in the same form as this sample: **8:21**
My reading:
**11:06**
